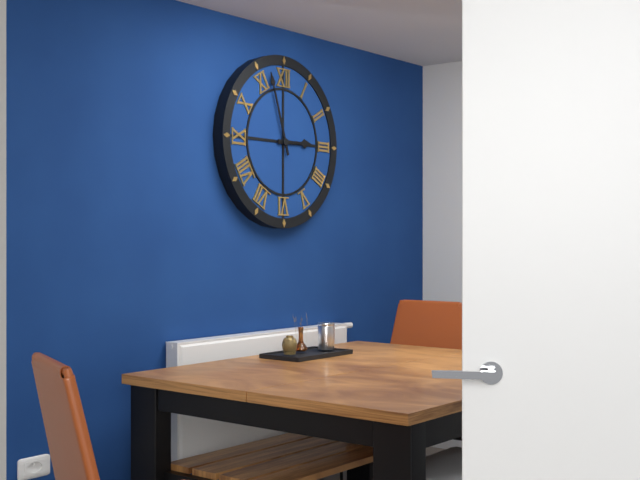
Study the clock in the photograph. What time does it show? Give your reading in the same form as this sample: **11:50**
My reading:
**2:57**
